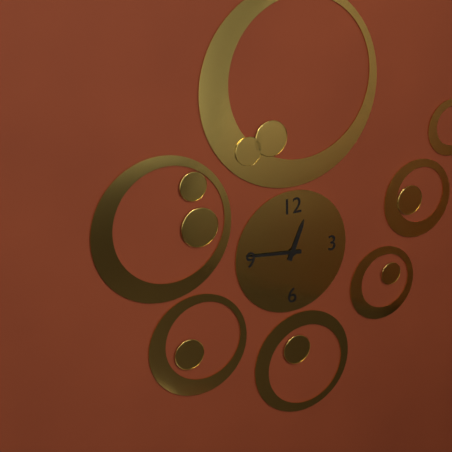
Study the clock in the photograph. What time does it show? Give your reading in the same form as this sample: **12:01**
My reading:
**12:46**
